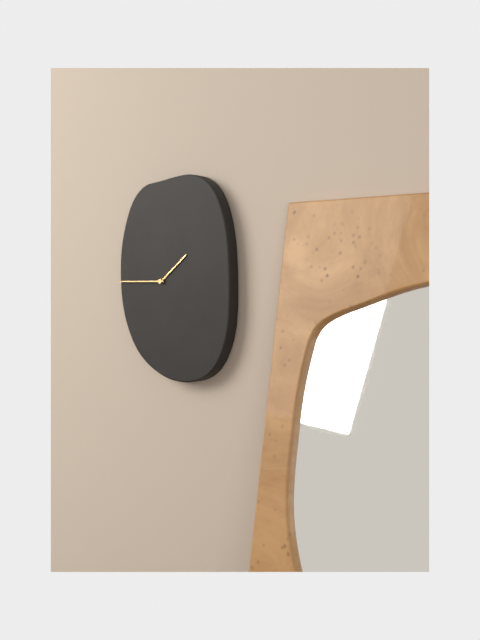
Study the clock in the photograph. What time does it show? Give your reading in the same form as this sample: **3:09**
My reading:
**1:45**
